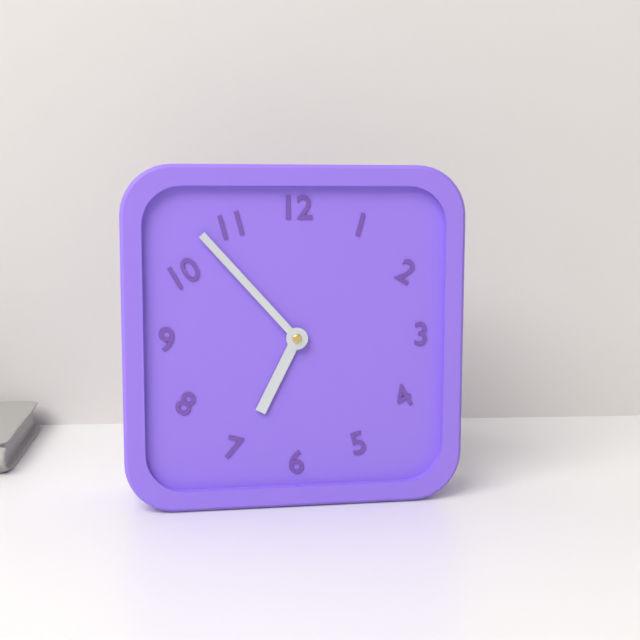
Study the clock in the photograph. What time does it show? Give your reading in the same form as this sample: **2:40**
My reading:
**6:53**
